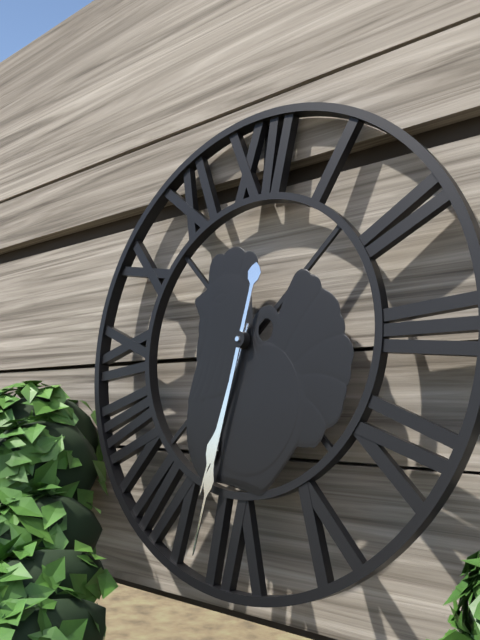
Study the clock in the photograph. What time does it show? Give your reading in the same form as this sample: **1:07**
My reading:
**6:32**
